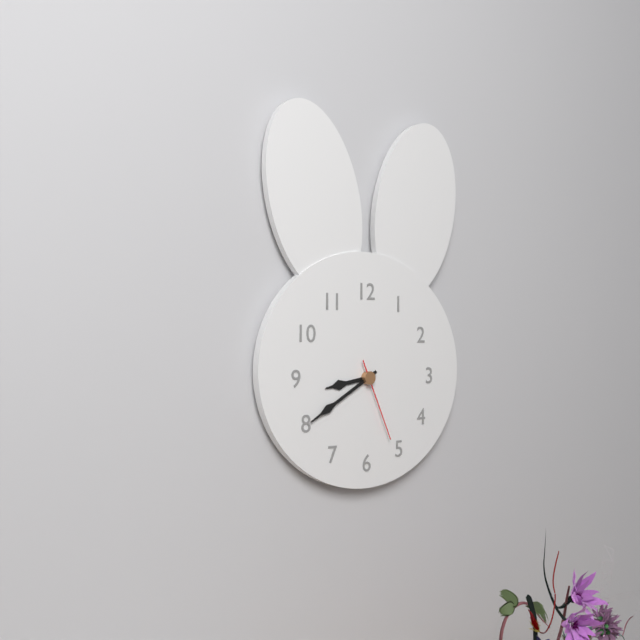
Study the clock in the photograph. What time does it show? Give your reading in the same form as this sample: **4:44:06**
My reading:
**8:40:26**
